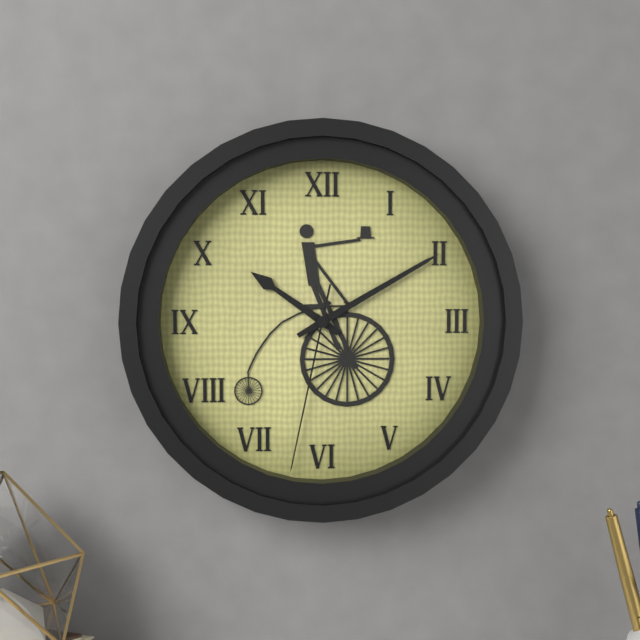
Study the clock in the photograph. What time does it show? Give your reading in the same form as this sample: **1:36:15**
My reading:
**10:10:32**
